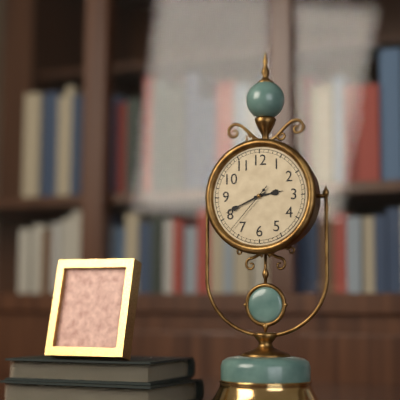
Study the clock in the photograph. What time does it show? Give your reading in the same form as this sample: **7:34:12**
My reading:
**2:41:37**
